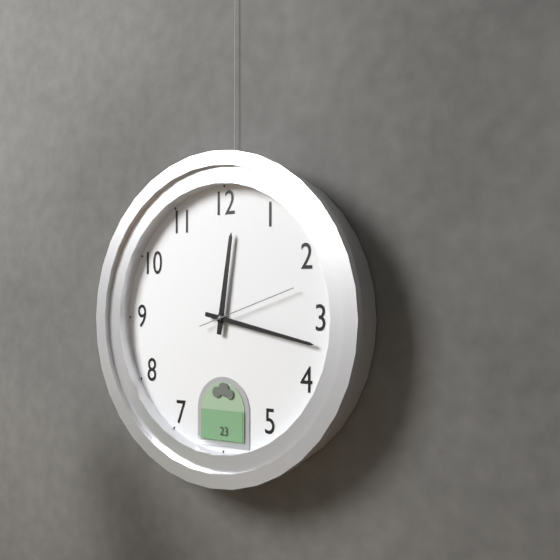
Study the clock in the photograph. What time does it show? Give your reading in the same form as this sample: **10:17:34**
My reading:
**12:17:12**
